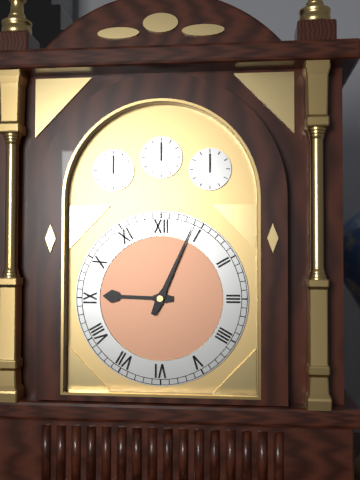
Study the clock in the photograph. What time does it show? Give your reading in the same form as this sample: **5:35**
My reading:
**9:04**
